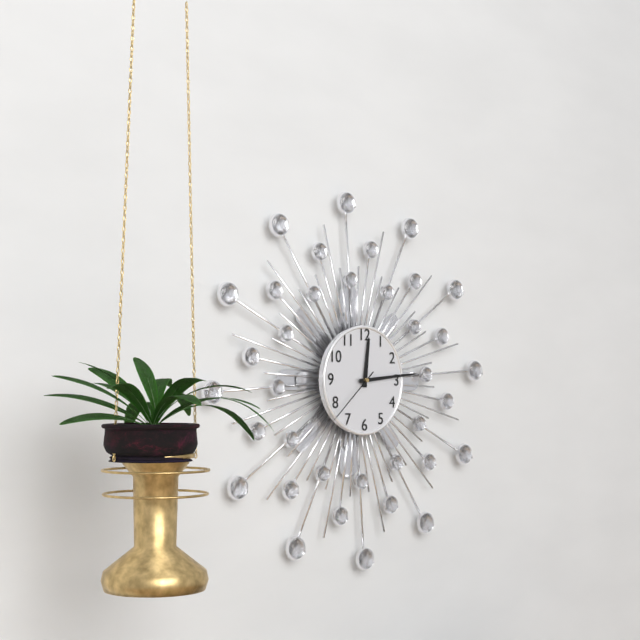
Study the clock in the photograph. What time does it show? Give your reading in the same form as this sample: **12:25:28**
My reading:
**12:14:38**
